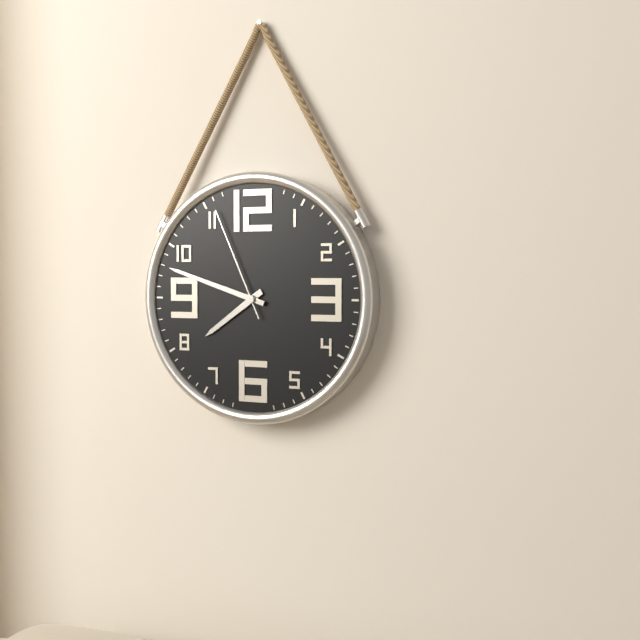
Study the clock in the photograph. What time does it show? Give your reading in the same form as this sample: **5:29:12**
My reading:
**7:48:56**
